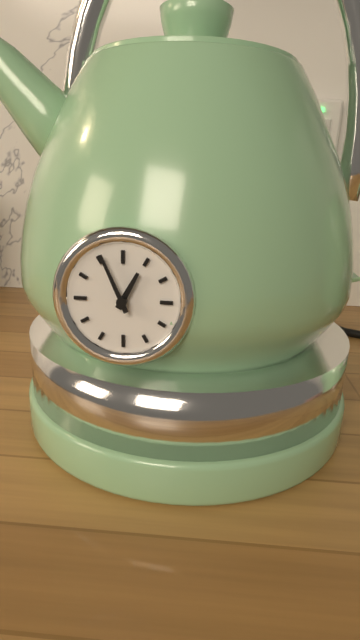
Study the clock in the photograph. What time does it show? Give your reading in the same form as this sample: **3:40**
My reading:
**12:56**
